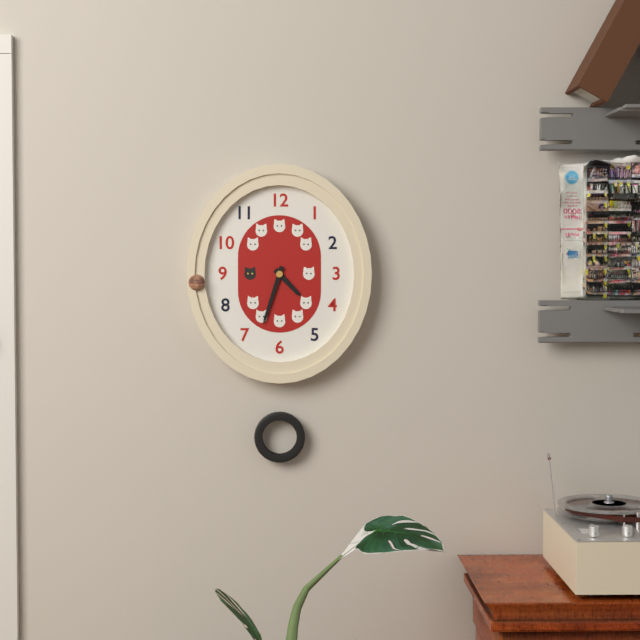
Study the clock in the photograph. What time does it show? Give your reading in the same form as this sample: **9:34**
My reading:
**4:33**
